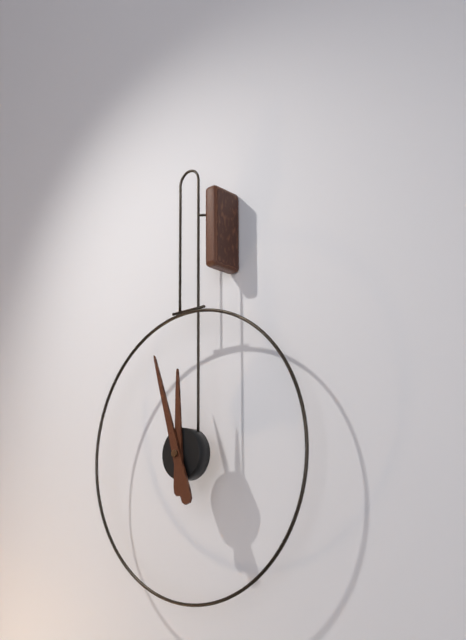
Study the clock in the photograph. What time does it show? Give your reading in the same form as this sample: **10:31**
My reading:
**11:57**
